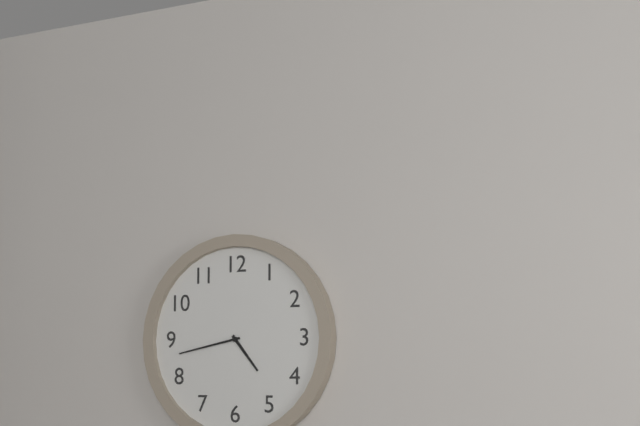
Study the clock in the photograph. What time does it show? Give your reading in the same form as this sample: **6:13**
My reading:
**4:43**
